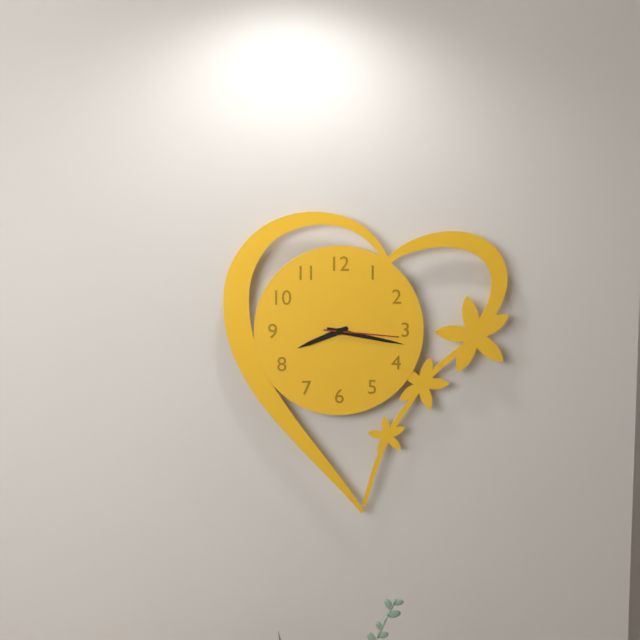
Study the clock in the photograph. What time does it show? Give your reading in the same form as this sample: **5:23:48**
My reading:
**8:17:16**
